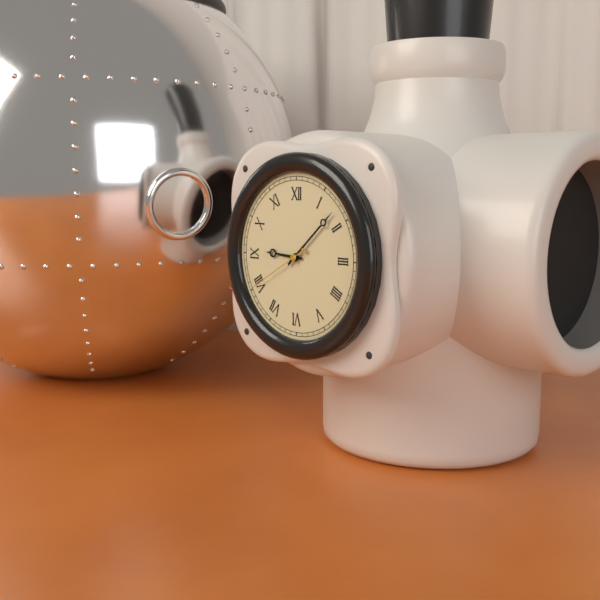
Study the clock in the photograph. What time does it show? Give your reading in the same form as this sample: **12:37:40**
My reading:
**9:08:40**
